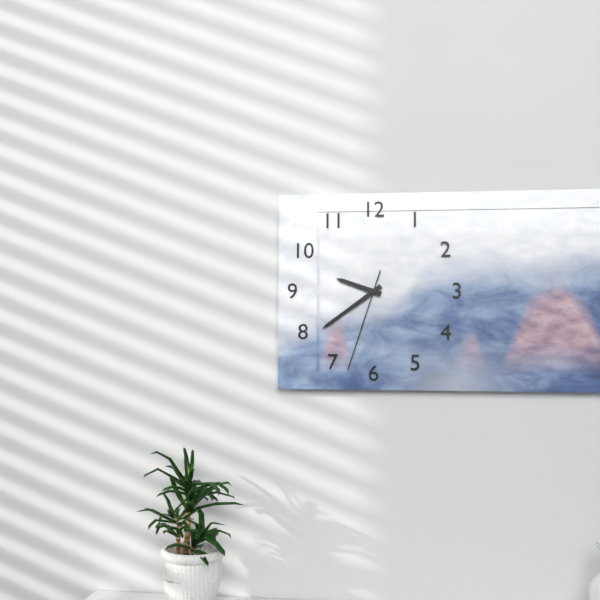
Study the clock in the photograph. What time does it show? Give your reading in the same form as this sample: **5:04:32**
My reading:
**9:39:33**
